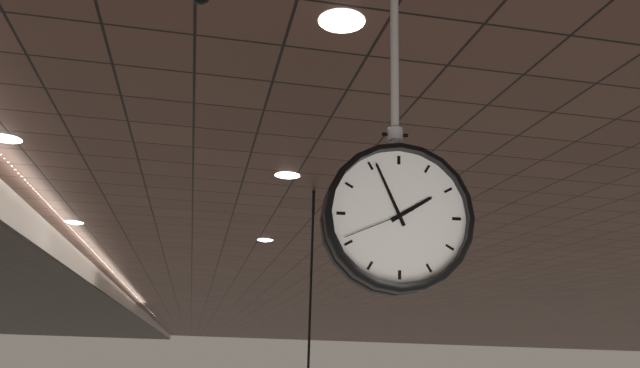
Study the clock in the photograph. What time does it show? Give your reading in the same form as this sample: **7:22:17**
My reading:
**1:56:41**
